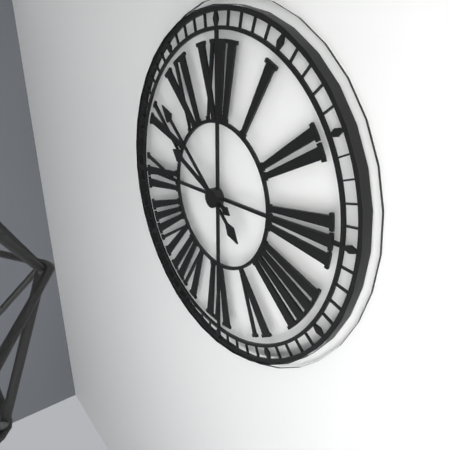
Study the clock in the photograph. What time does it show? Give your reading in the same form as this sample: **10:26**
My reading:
**9:52**
